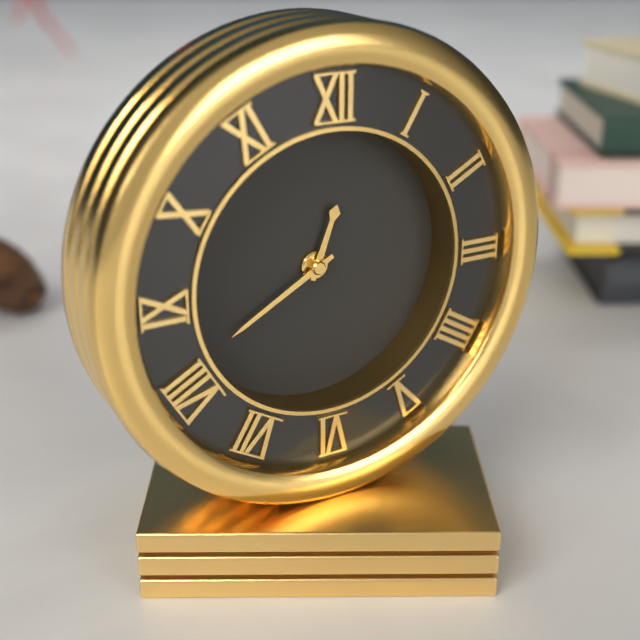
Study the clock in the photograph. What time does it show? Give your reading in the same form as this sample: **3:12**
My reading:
**12:40**
